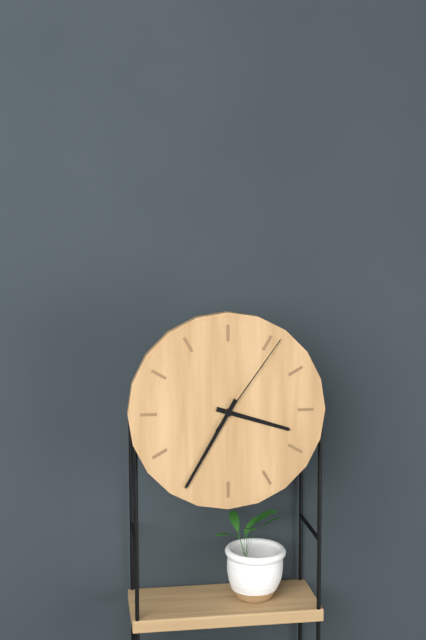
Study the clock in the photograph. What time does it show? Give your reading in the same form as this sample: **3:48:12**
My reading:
**3:35:06**
